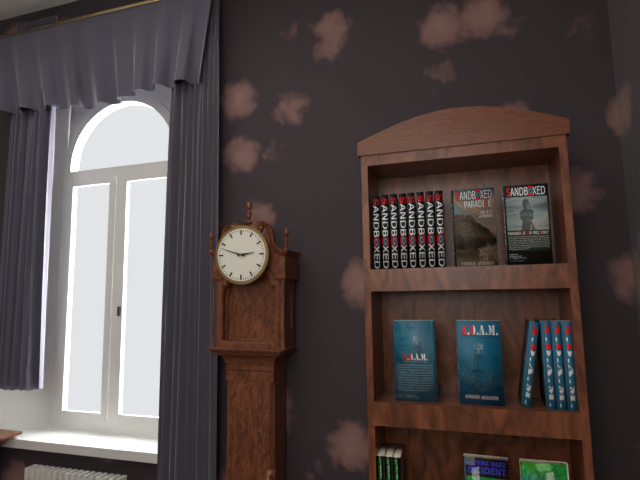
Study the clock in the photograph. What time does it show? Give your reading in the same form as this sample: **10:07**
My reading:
**2:48**
